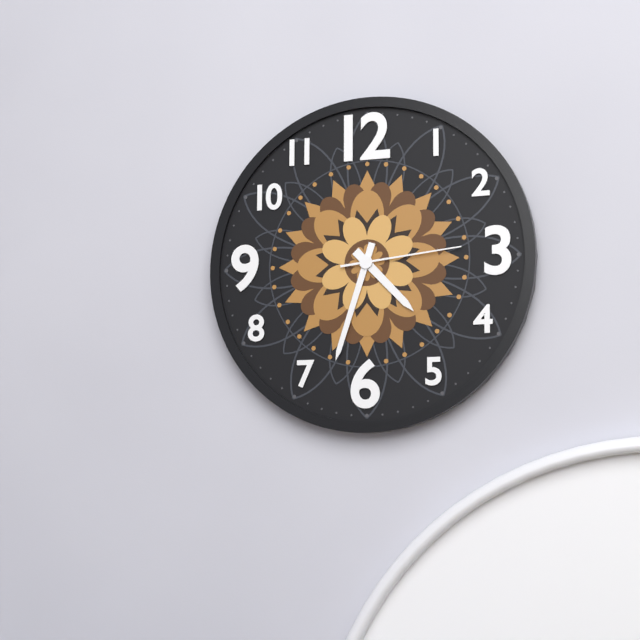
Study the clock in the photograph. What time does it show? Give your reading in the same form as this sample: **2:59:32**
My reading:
**4:33:14**
